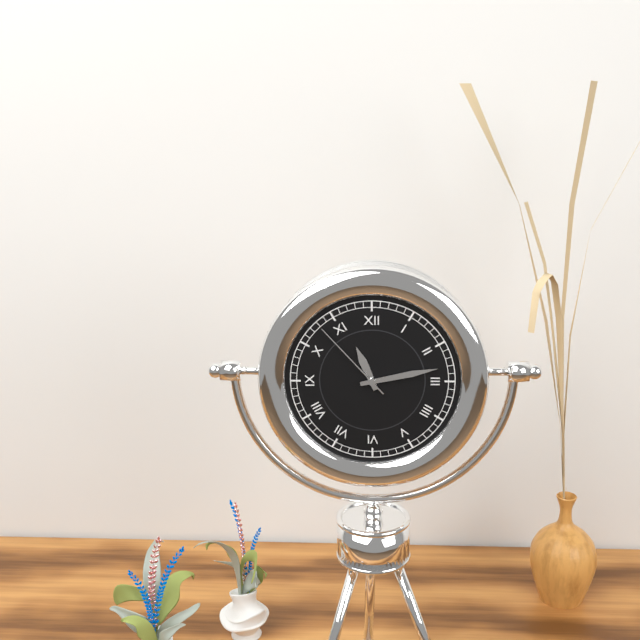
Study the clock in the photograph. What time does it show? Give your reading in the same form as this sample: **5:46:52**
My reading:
**11:13:53**
